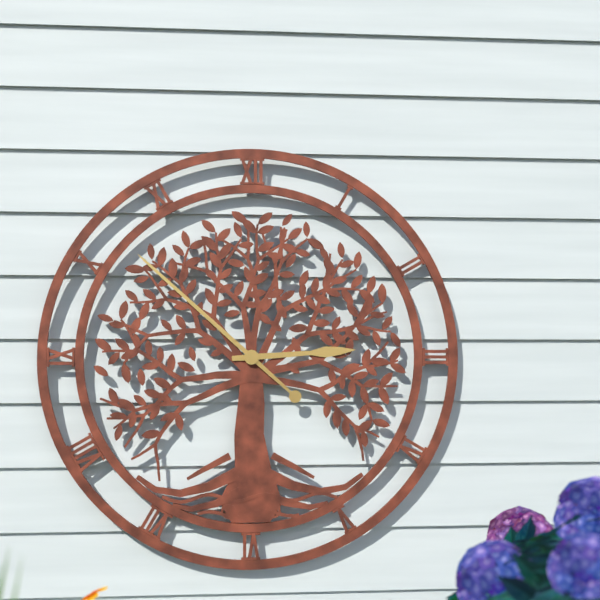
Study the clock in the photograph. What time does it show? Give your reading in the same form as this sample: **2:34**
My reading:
**2:52**
